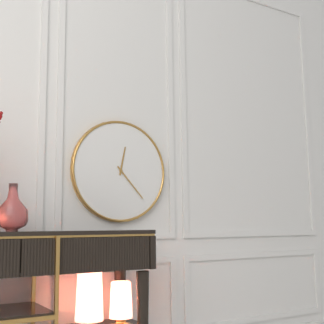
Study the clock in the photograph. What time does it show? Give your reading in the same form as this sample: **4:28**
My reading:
**12:23**
